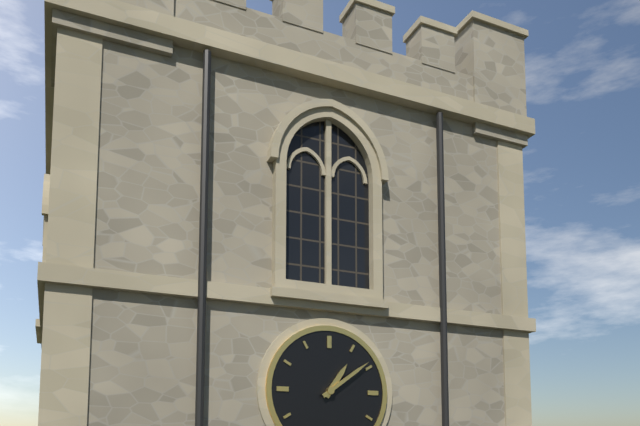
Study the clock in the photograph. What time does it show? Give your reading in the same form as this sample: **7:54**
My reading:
**1:09**
